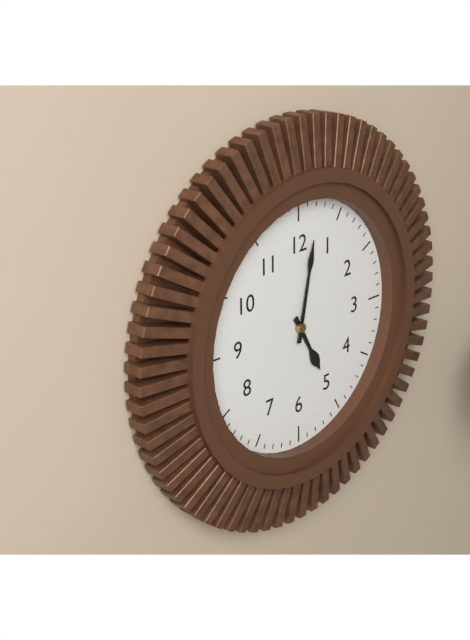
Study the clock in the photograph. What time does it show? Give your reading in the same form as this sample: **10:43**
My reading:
**5:02**
